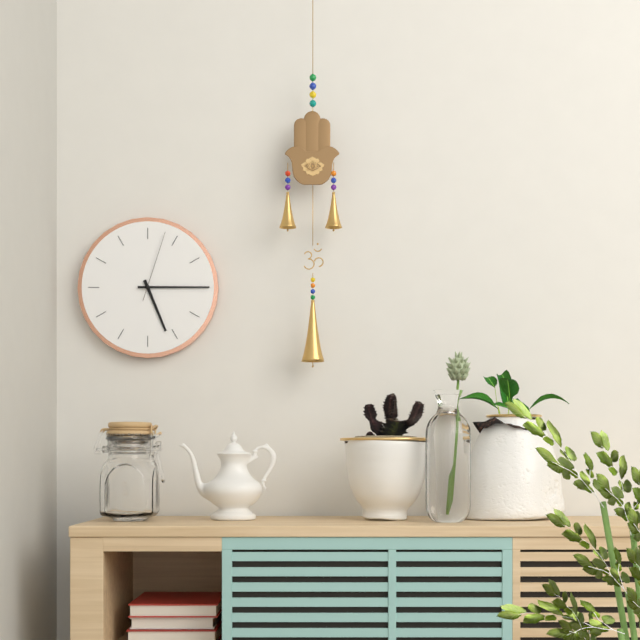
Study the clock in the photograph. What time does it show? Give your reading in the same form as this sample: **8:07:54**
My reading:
**5:15:03**
